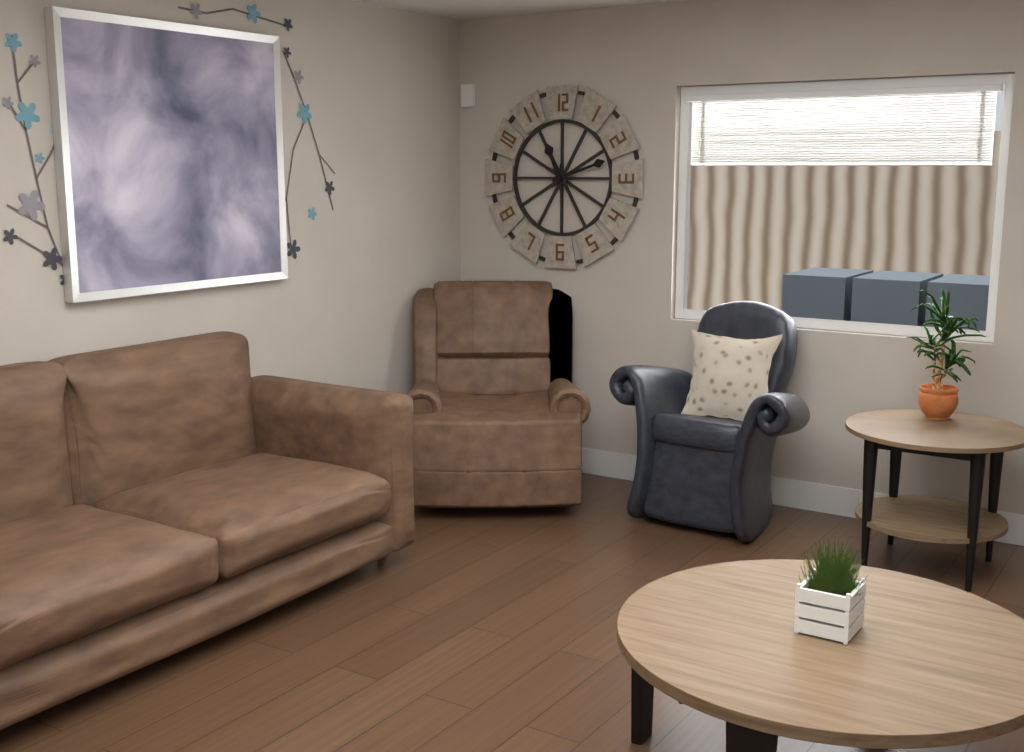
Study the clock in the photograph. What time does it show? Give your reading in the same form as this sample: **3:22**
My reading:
**11:12**
